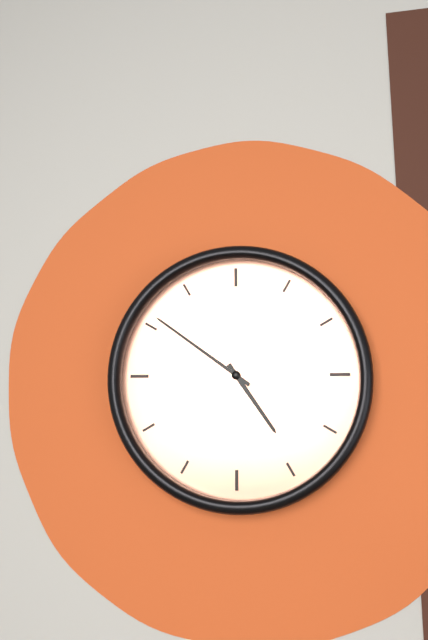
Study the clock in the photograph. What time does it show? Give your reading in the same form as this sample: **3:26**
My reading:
**4:51**
